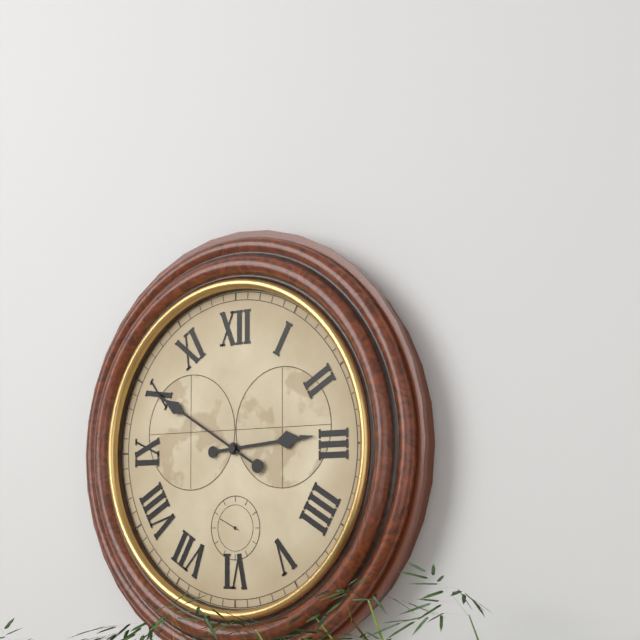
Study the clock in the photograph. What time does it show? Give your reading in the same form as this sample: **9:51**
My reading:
**2:50**
